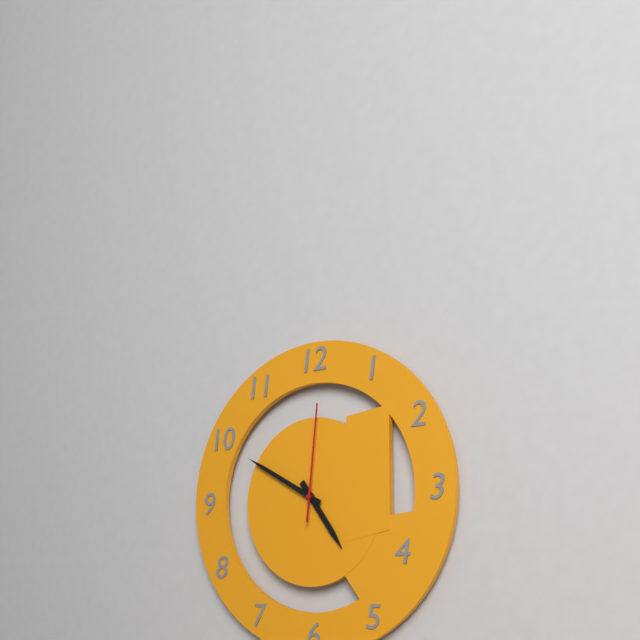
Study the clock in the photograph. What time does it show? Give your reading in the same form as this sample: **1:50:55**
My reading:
**4:50:01**
